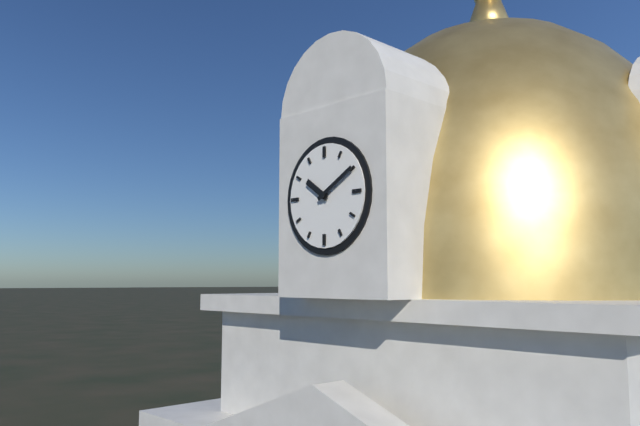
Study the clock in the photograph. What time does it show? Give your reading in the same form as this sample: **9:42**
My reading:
**10:10**
